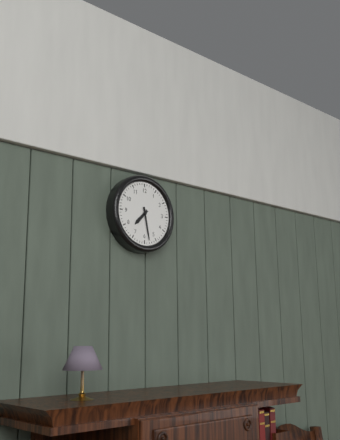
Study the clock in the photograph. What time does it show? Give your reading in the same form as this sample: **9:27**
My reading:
**7:28**
